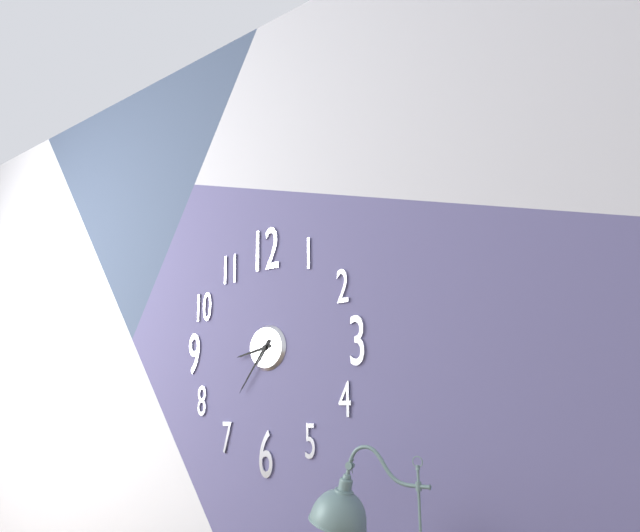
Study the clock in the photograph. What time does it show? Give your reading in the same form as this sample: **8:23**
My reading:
**8:36**
